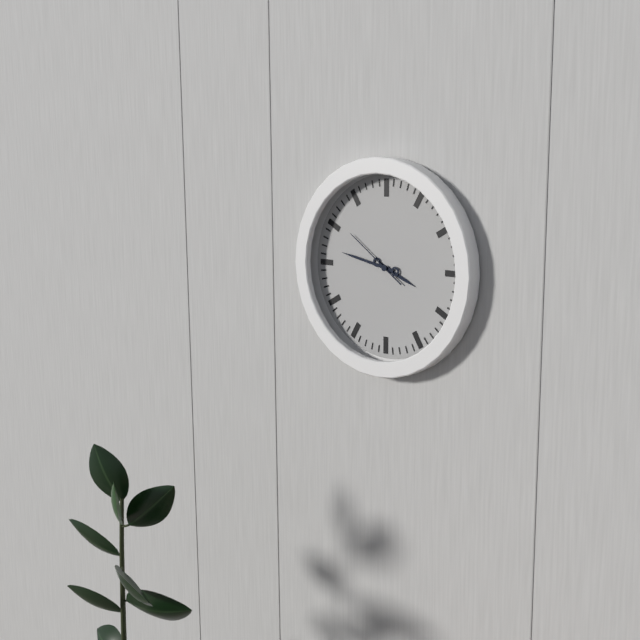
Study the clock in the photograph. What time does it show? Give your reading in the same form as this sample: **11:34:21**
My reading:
**3:47:51**
